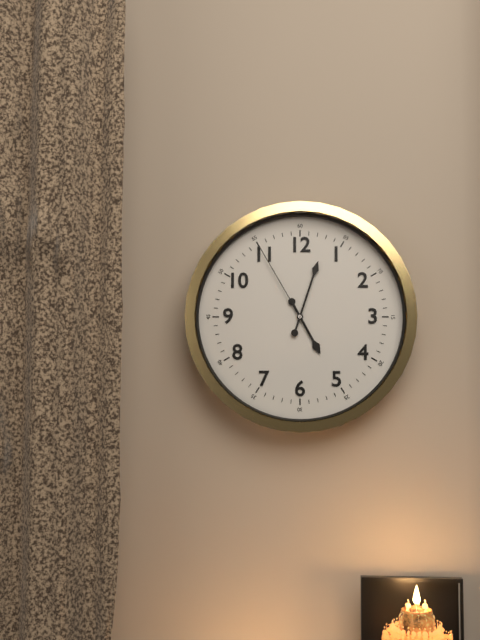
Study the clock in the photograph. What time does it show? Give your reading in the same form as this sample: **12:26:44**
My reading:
**5:03:55**
